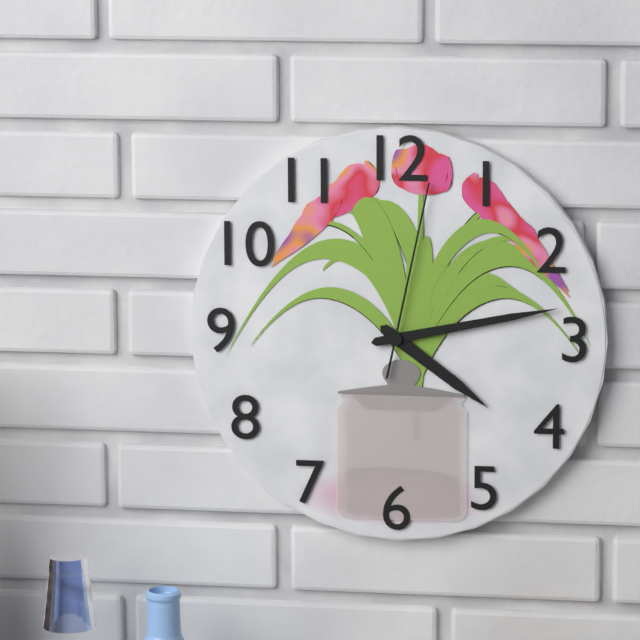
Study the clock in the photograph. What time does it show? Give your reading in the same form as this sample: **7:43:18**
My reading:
**4:13:02**
